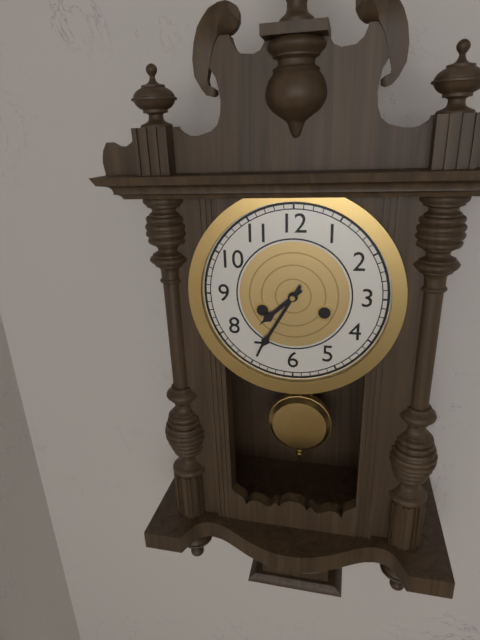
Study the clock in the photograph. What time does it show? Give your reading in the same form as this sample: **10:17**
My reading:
**7:35**
